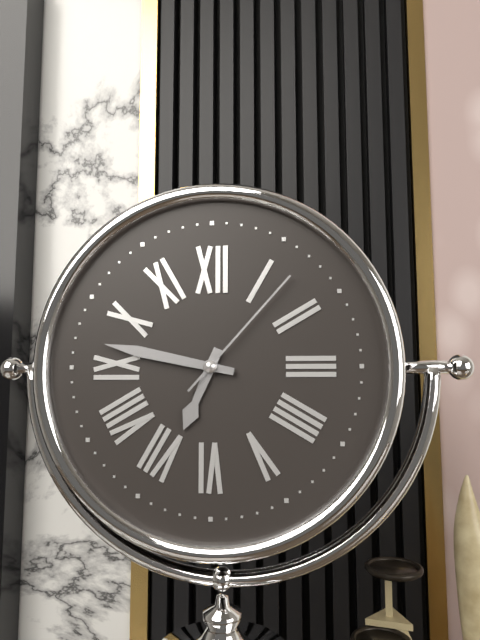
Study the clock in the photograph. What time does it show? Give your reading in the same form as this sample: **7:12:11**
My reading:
**6:47:07**
